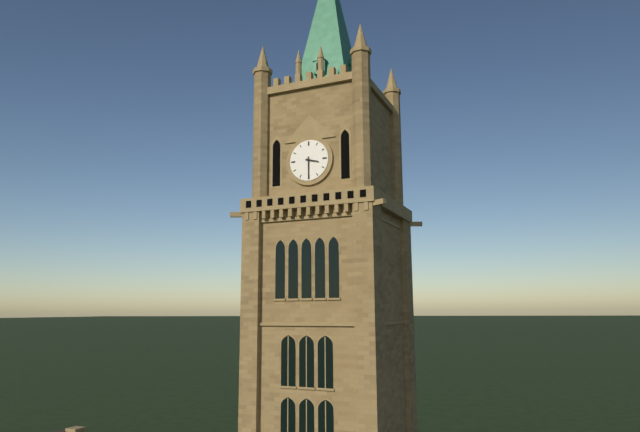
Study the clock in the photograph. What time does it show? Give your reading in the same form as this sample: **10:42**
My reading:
**3:30**
